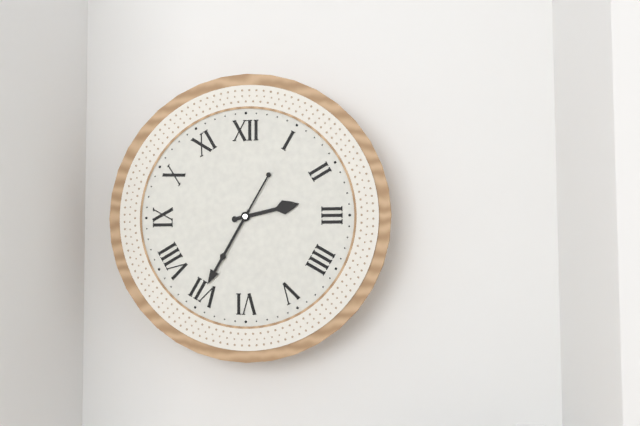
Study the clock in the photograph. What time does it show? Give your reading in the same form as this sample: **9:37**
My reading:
**2:35**
